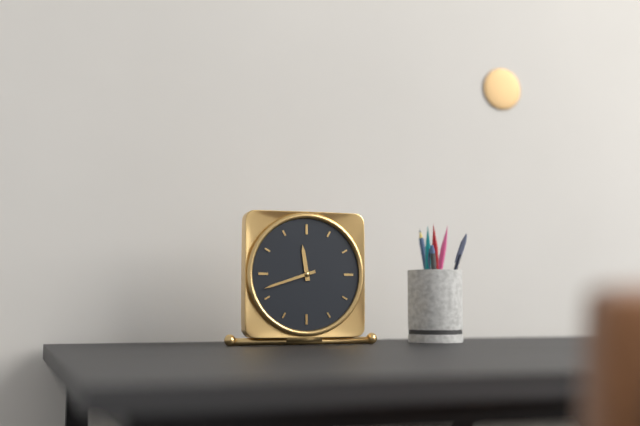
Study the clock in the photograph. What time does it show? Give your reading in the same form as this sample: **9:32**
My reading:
**11:42**
